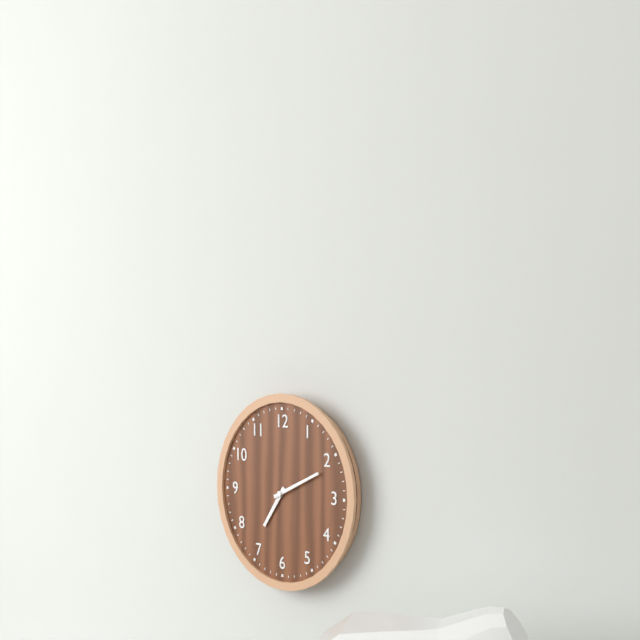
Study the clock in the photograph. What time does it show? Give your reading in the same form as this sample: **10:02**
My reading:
**7:11**
